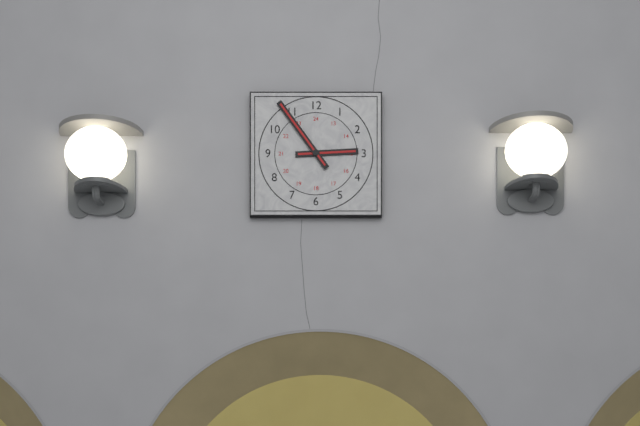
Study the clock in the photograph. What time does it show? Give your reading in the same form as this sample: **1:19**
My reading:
**2:54**
